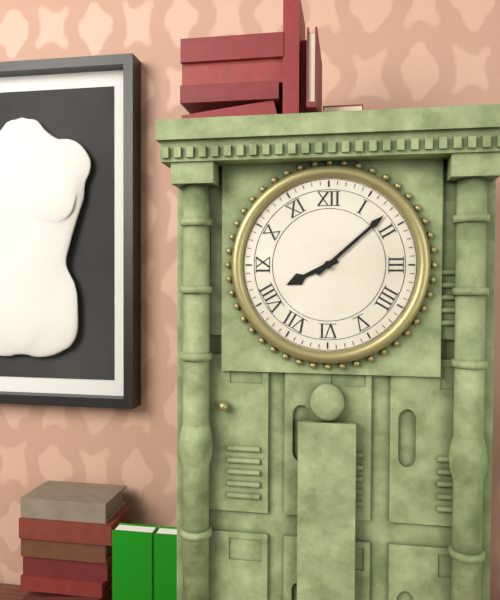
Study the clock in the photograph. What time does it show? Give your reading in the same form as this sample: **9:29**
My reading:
**8:08**
